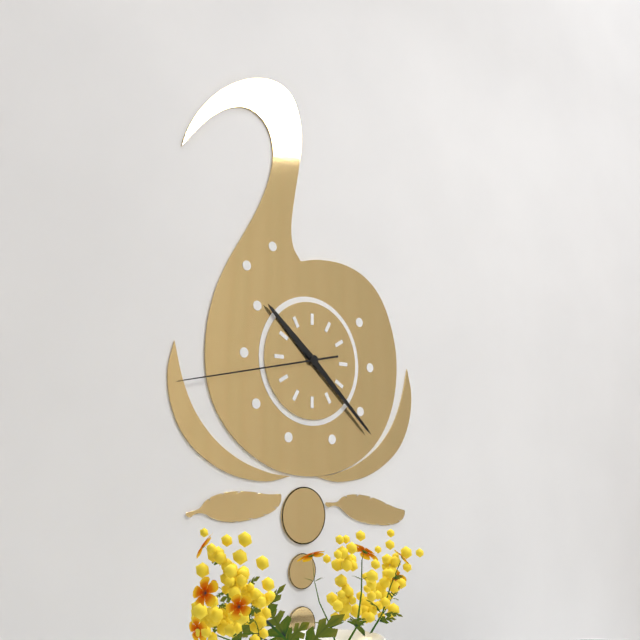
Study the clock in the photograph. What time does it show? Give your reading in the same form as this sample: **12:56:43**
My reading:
**10:22:43**
